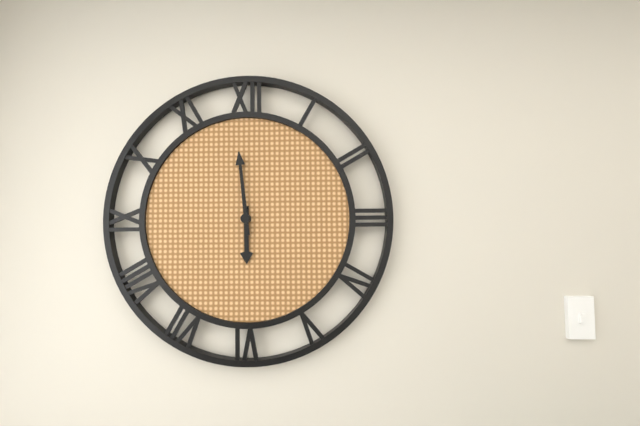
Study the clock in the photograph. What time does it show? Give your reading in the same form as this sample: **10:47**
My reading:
**5:59**
